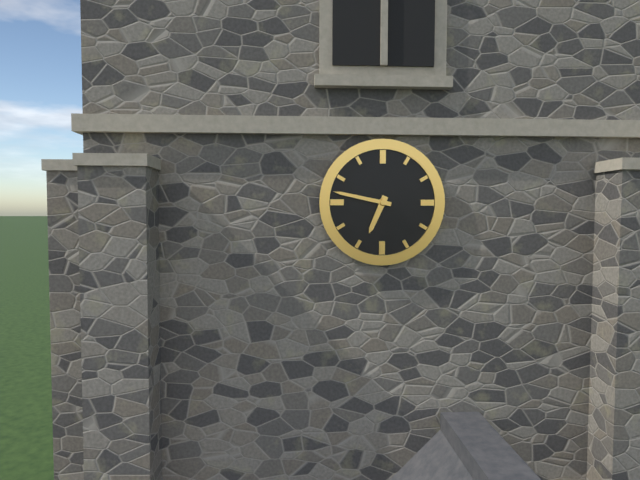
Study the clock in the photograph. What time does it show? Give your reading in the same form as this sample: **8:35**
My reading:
**6:47**
